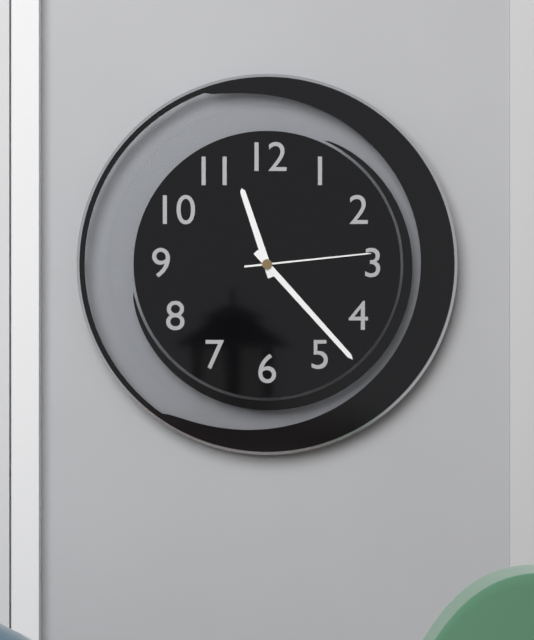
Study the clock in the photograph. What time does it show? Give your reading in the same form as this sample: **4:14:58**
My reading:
**11:23:14**
